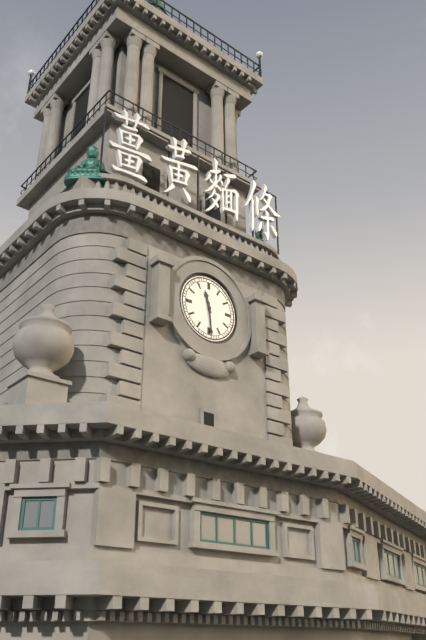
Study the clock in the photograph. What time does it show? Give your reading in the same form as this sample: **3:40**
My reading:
**11:29**
